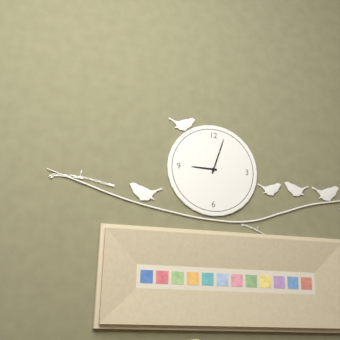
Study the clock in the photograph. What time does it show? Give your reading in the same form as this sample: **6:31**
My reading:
**9:03**
